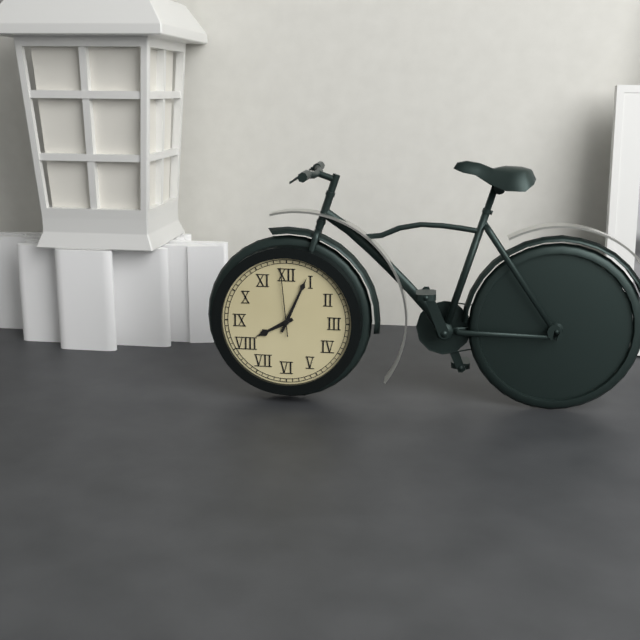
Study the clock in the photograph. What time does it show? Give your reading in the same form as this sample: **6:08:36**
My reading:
**8:04:59**
